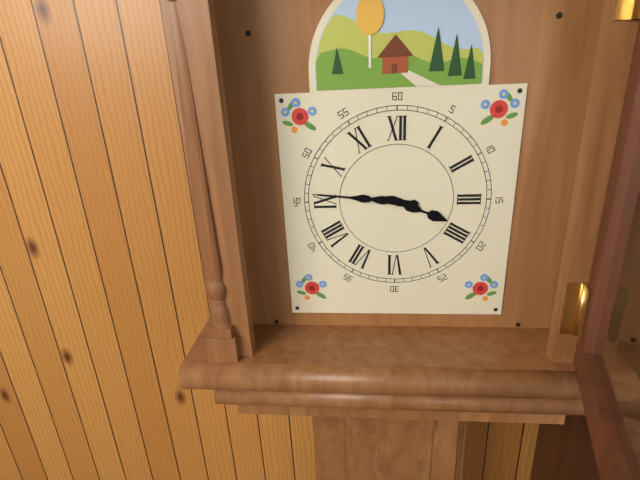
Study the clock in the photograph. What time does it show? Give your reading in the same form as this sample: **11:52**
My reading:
**3:46**
